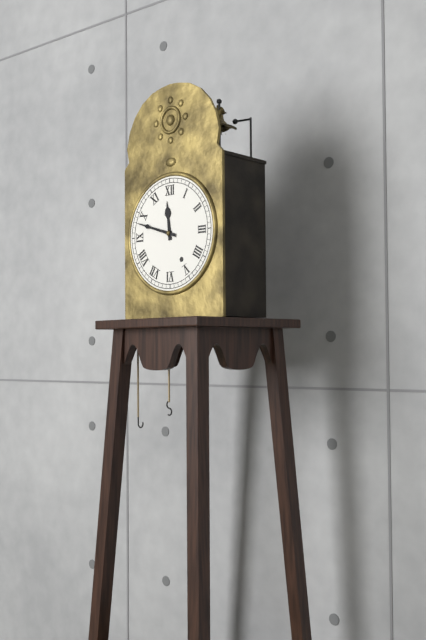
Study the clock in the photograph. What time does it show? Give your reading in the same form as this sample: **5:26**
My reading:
**11:48**
